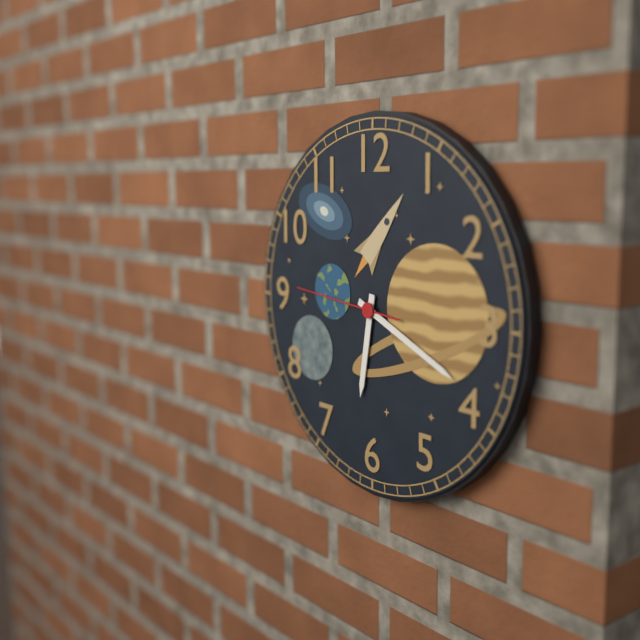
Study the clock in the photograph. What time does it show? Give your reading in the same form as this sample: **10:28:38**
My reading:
**6:19:46**
